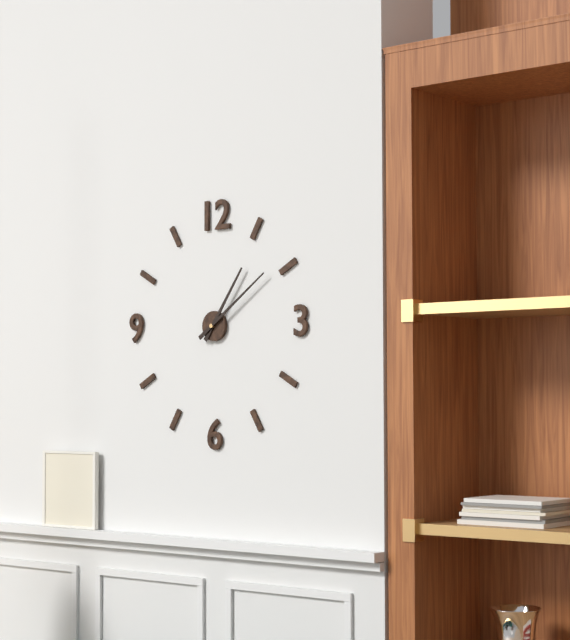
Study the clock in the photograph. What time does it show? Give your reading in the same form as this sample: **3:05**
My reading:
**1:09**
